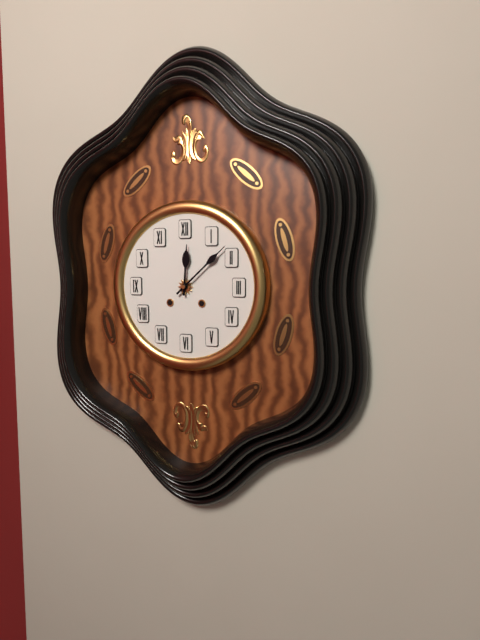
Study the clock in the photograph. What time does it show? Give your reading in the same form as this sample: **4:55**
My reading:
**12:08**
